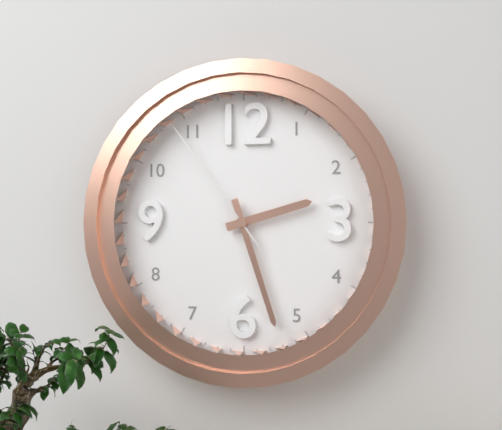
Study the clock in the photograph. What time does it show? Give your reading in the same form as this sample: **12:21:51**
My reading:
**2:27:54**
